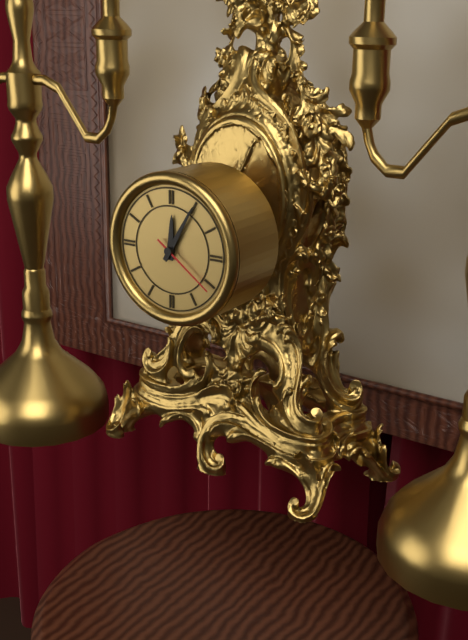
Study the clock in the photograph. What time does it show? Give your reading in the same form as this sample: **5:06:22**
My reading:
**12:05:21**
